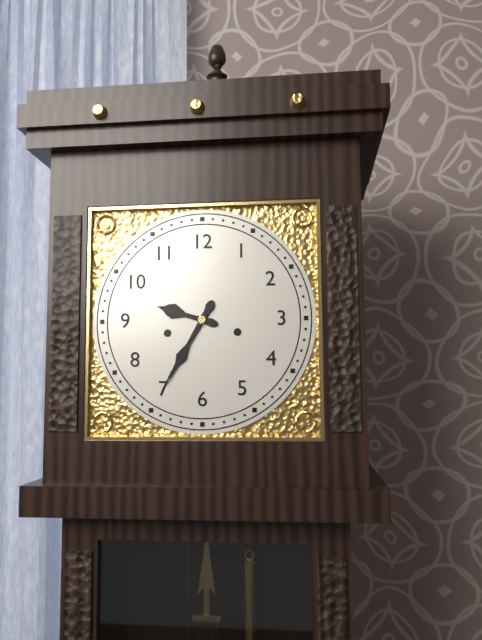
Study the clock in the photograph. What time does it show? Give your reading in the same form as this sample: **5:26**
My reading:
**9:35**
